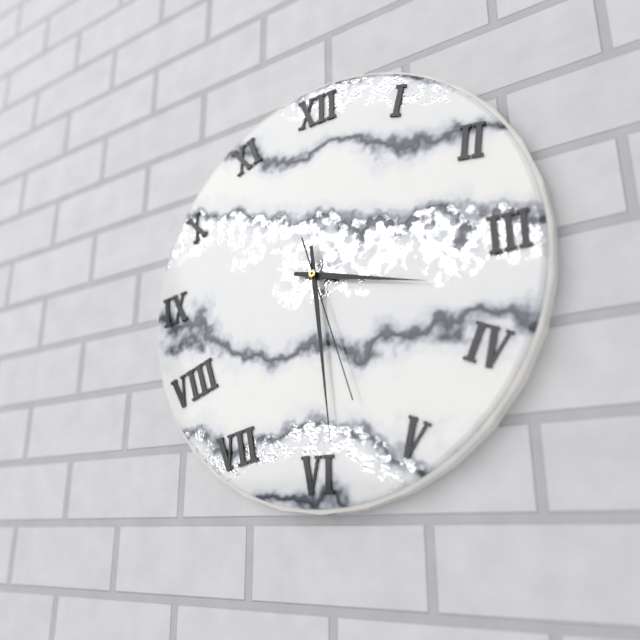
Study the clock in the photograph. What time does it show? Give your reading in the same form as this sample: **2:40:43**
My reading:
**3:29:27**
